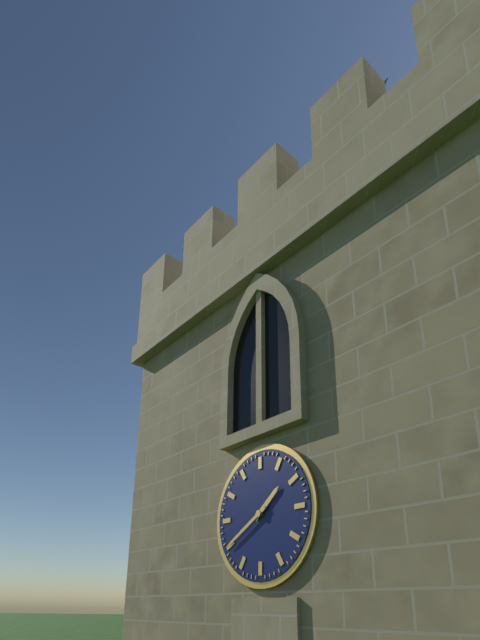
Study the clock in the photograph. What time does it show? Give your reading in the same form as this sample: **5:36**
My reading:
**1:40**
